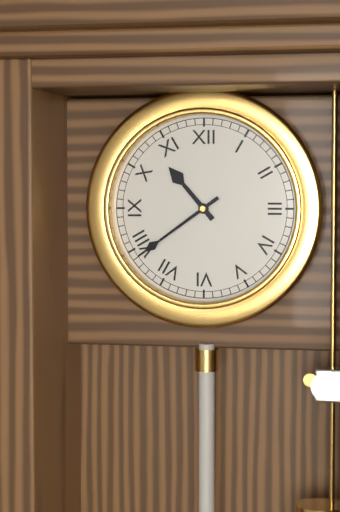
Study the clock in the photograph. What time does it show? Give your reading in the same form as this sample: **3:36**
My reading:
**10:39**
